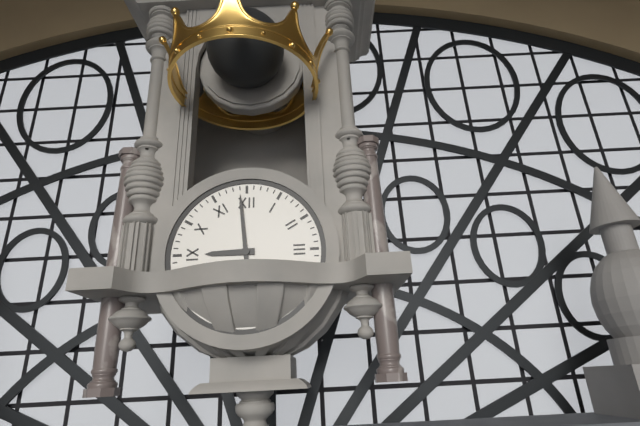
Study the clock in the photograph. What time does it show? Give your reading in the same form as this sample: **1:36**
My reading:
**8:59**
